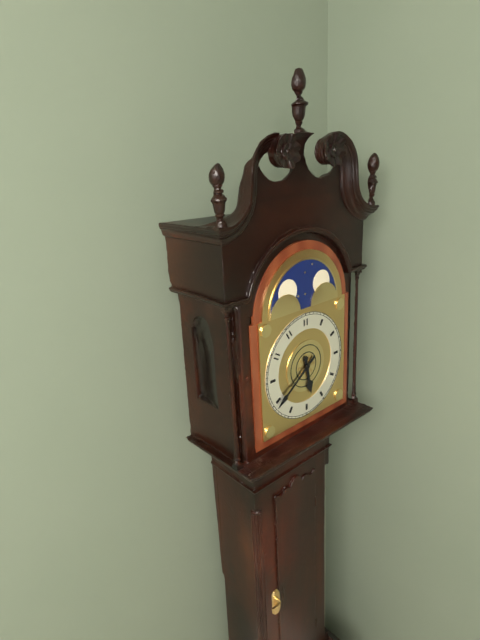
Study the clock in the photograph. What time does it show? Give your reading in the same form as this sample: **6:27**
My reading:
**5:39**
